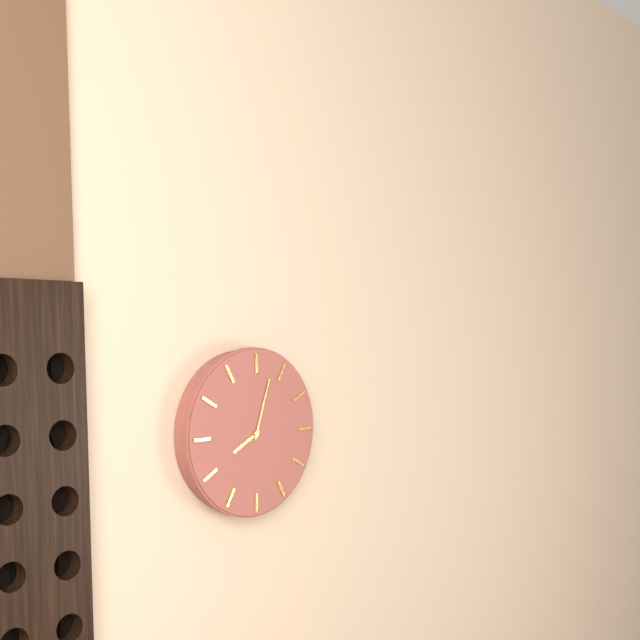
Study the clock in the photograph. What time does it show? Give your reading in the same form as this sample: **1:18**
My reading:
**8:03**
